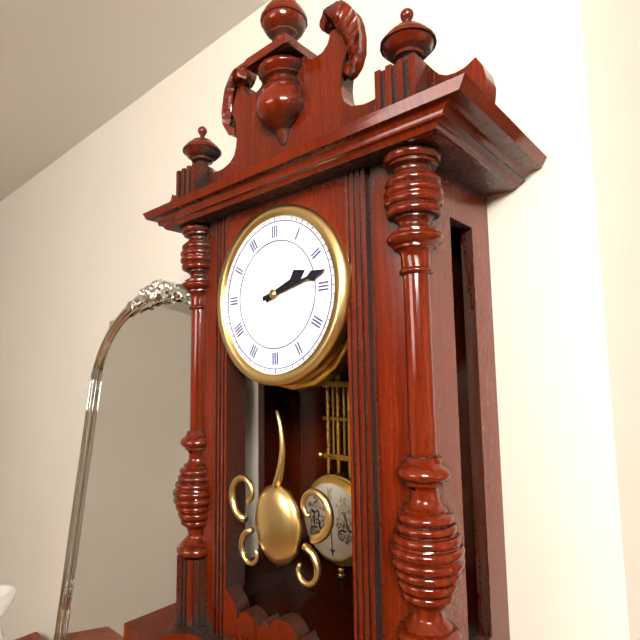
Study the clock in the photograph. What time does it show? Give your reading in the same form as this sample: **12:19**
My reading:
**2:13**
